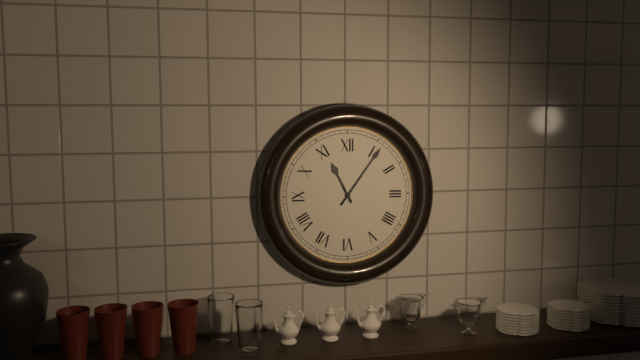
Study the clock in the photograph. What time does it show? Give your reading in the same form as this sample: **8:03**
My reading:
**11:06**
